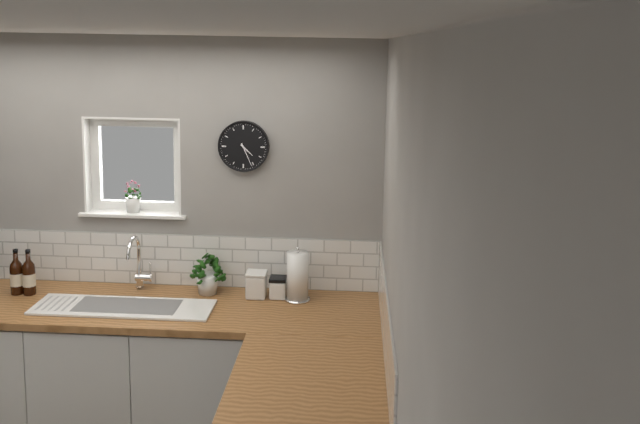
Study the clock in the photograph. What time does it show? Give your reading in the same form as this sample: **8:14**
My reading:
**4:26**
